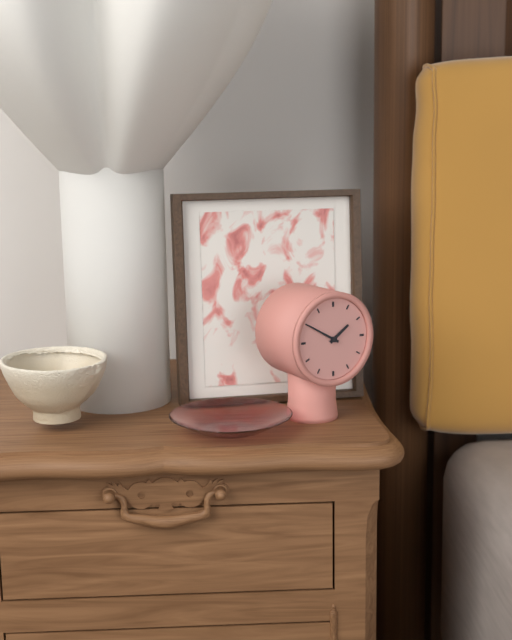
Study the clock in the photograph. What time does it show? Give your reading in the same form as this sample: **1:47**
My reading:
**1:50**
